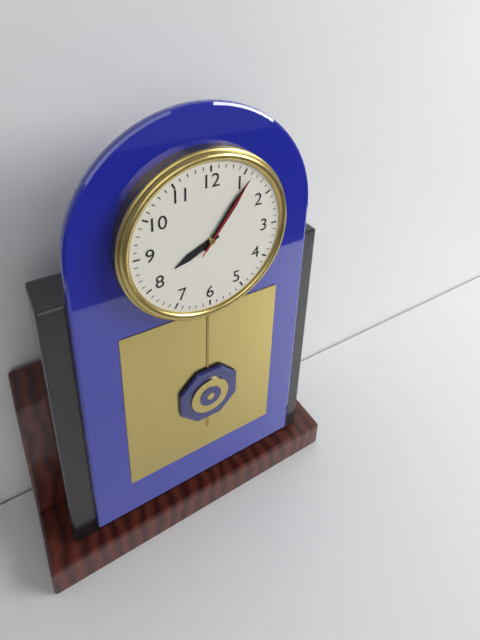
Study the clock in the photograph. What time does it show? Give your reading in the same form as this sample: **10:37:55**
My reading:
**8:06:06**
